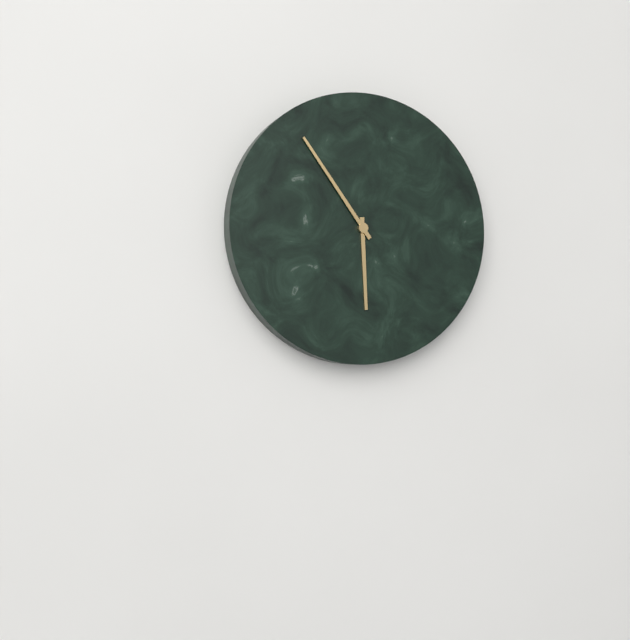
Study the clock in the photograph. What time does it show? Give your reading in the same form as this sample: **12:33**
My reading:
**5:54**
